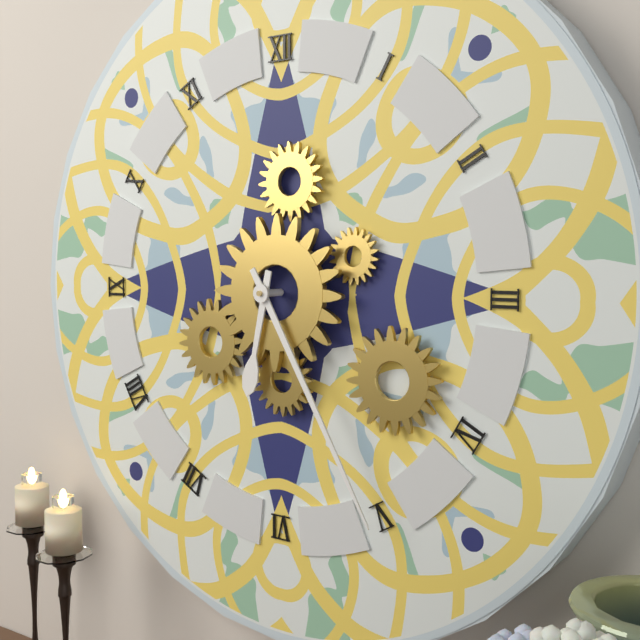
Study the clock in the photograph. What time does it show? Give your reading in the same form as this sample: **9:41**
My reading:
**6:25**
